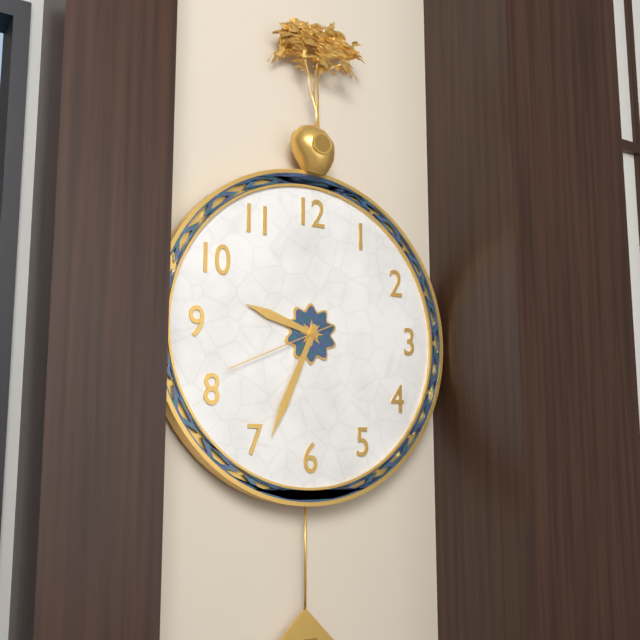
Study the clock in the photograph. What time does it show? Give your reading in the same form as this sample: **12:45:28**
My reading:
**9:34:41**
